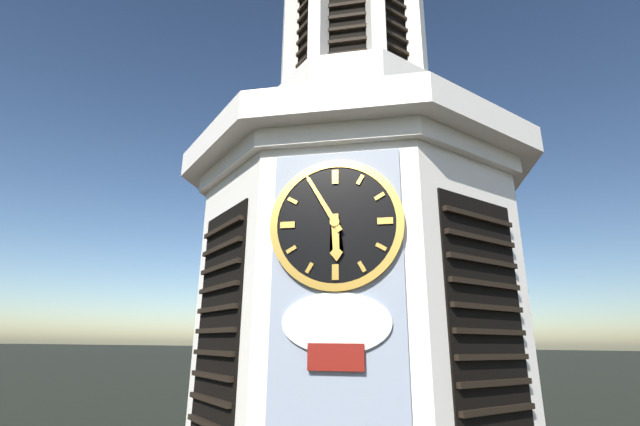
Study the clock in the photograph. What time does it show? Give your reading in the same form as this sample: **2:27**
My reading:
**5:55**
